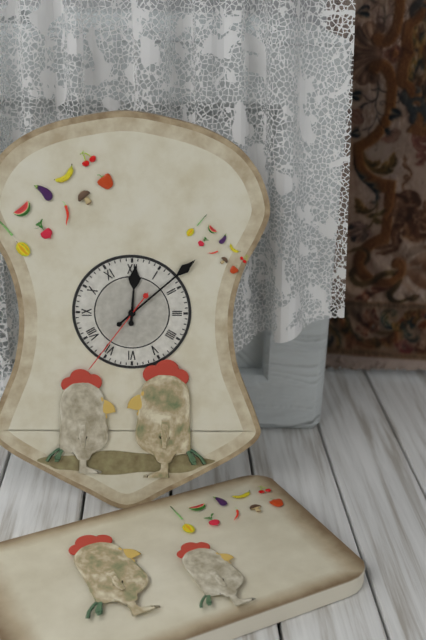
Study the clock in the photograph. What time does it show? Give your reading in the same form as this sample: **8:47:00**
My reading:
**12:08:36**
